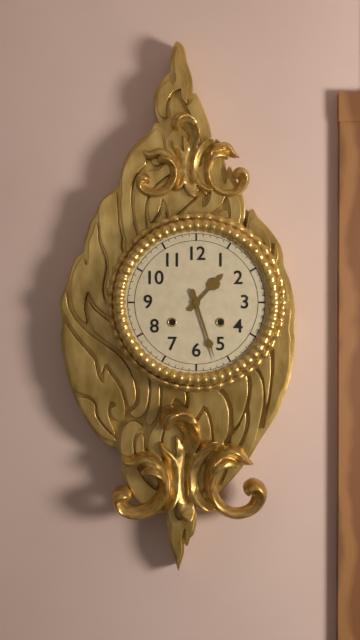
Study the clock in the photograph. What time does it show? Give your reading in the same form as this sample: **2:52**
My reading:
**1:27**
